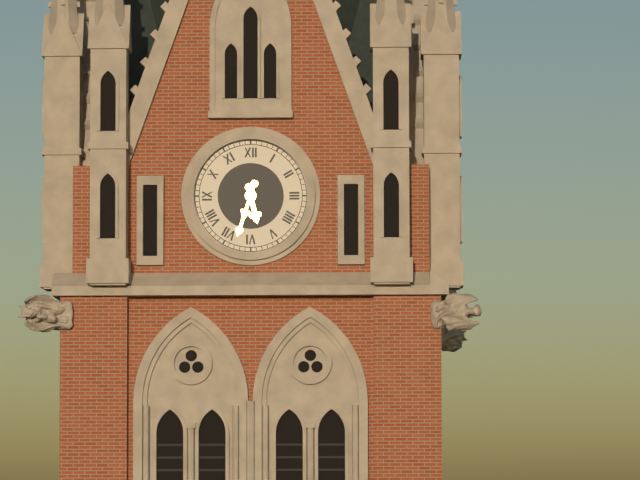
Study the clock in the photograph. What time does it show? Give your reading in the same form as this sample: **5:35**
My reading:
**5:33**
